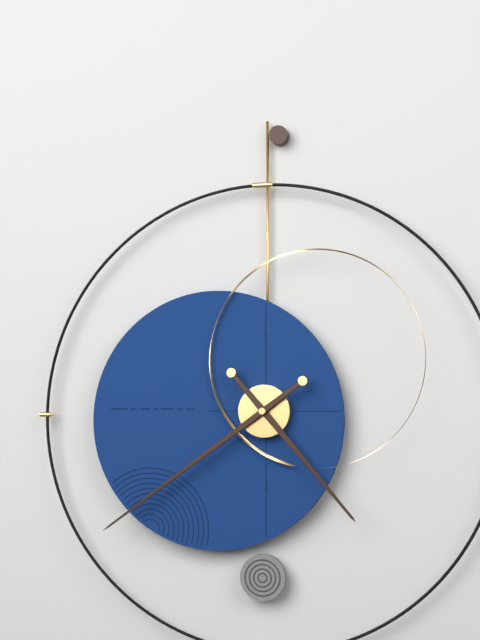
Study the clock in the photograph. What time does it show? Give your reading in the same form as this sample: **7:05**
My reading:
**4:39**
